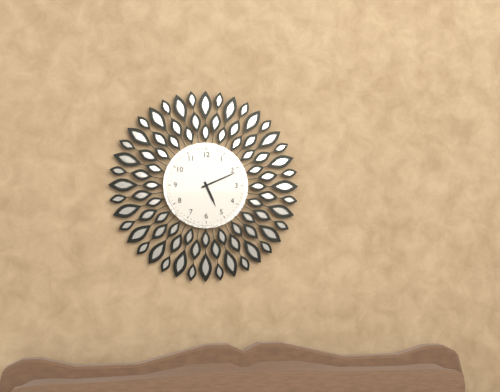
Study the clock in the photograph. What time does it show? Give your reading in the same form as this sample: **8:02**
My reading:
**5:11**
